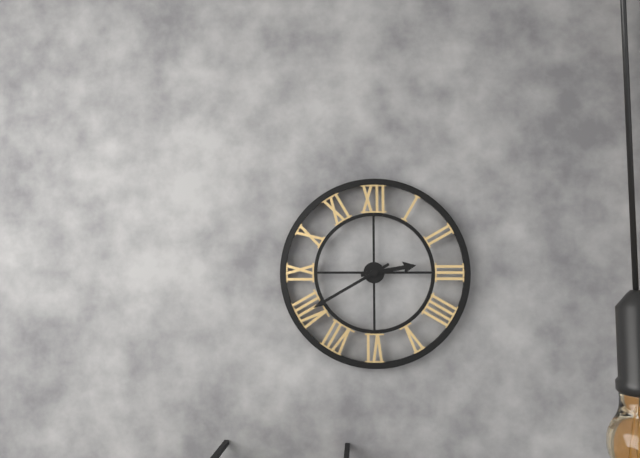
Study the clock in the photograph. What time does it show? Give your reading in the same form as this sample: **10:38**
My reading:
**2:40**
